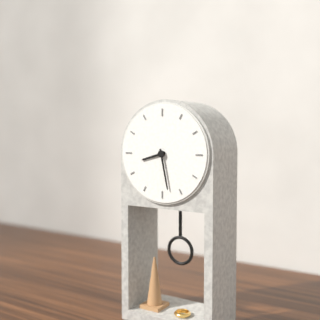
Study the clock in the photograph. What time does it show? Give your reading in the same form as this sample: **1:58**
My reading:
**8:28**
